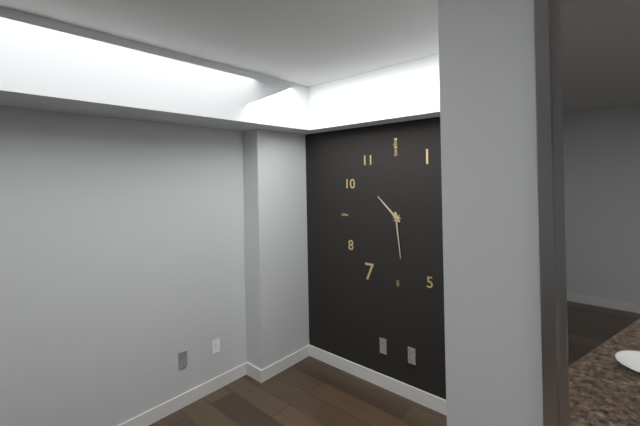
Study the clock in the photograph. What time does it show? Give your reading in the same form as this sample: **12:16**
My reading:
**10:29**
